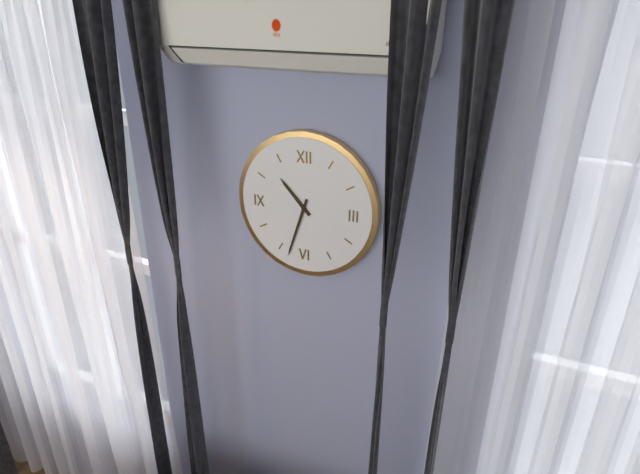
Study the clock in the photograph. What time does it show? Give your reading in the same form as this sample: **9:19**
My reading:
**10:33**
